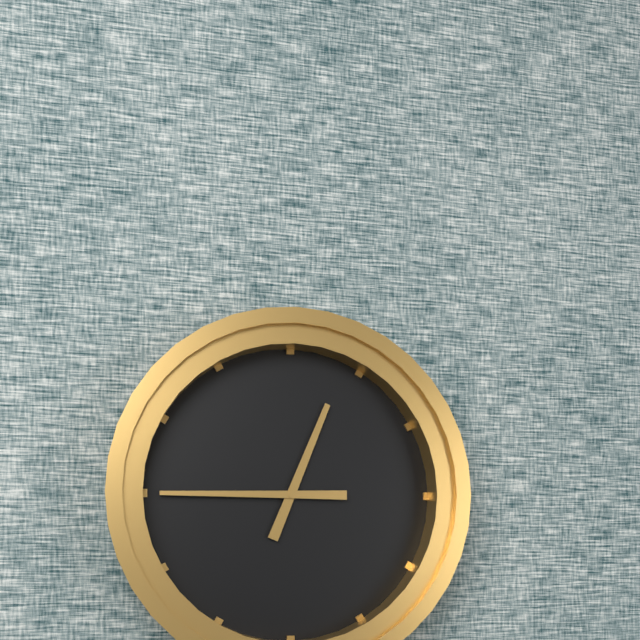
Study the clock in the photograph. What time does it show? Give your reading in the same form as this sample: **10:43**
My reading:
**12:45**
